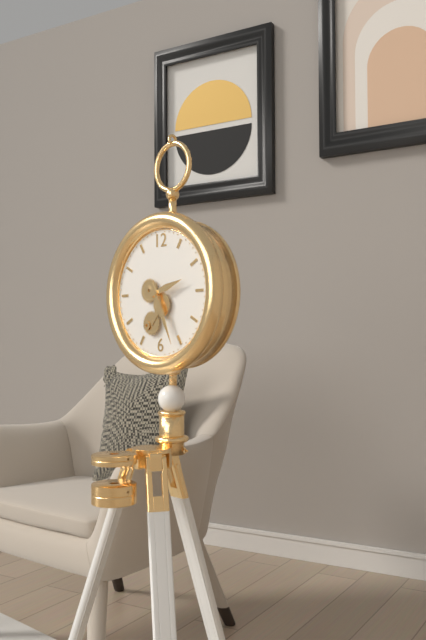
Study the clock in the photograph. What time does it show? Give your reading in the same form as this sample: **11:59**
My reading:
**2:26**
